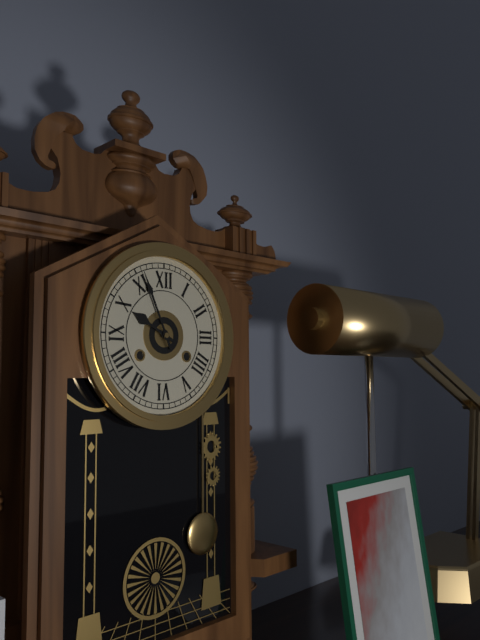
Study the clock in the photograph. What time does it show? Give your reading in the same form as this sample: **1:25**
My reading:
**9:56**
